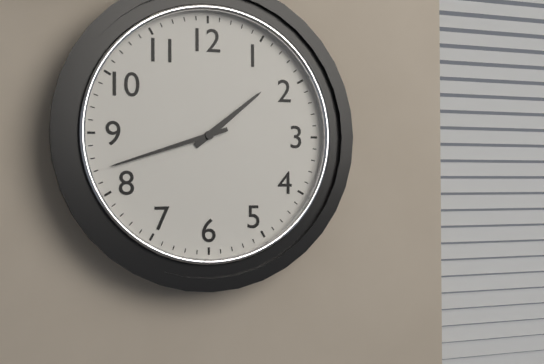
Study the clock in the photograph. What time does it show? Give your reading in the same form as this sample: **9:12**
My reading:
**1:42**
